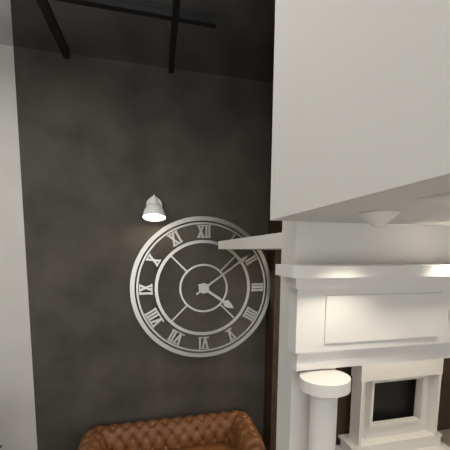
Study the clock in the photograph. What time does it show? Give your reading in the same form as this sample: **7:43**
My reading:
**4:09**
